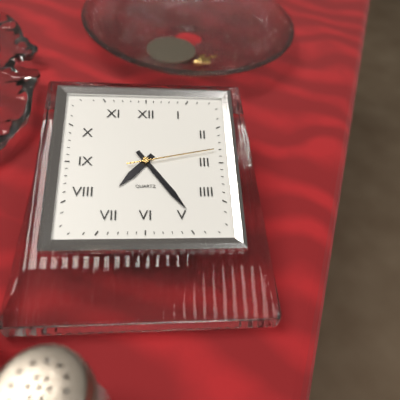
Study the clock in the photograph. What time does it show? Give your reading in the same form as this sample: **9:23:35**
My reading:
**7:24:13**
